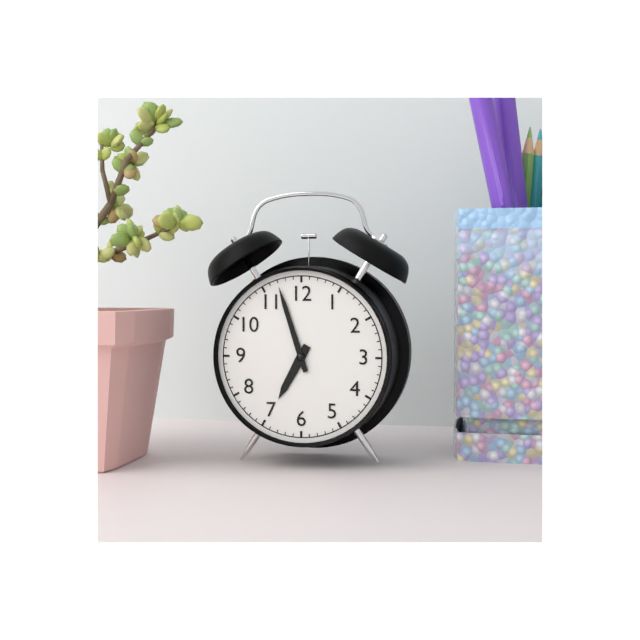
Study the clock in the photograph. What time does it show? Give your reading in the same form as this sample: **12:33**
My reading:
**6:57**
